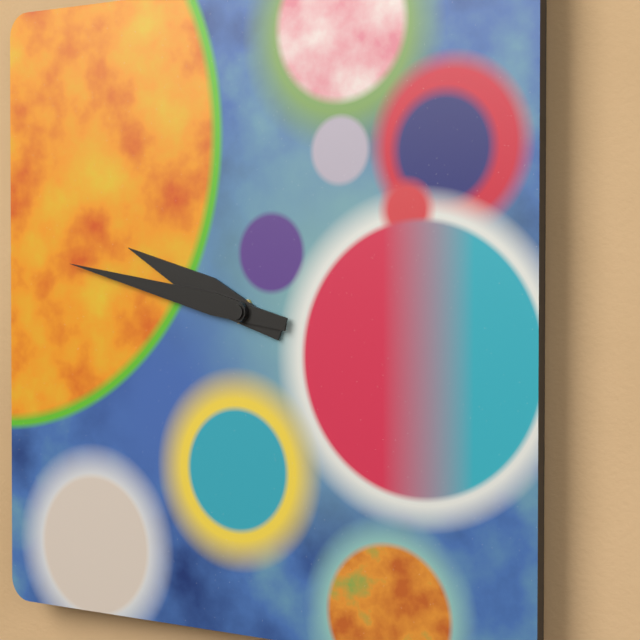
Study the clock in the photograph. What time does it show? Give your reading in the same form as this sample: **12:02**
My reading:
**9:47**
